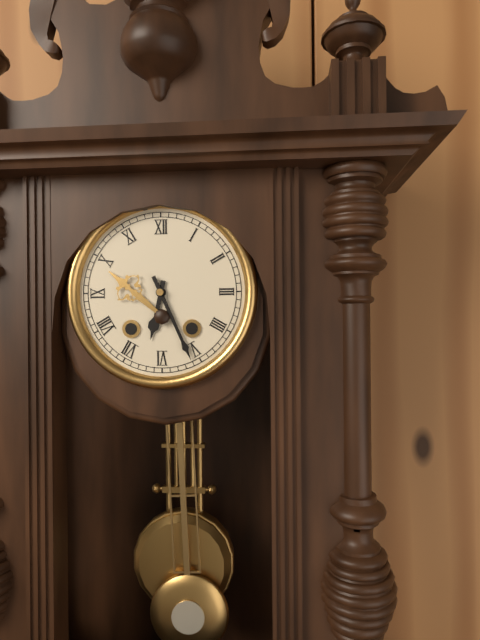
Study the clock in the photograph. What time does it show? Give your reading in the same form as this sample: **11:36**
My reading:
**6:26**
